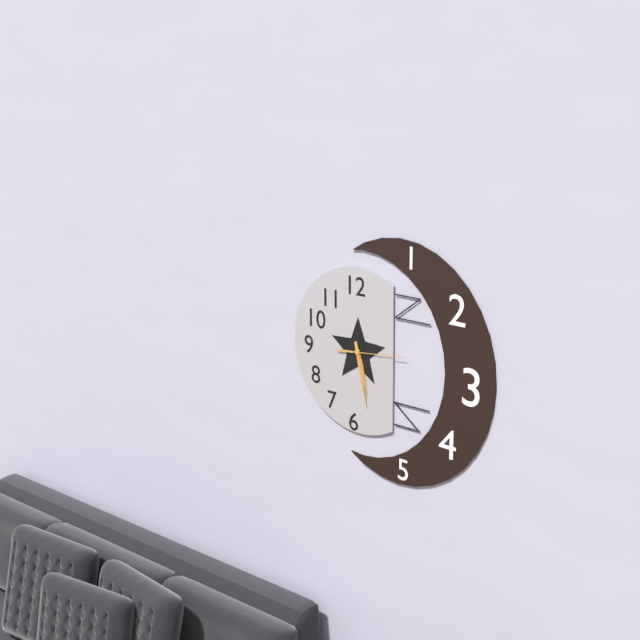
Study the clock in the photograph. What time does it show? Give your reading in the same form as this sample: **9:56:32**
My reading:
**5:28:14**
